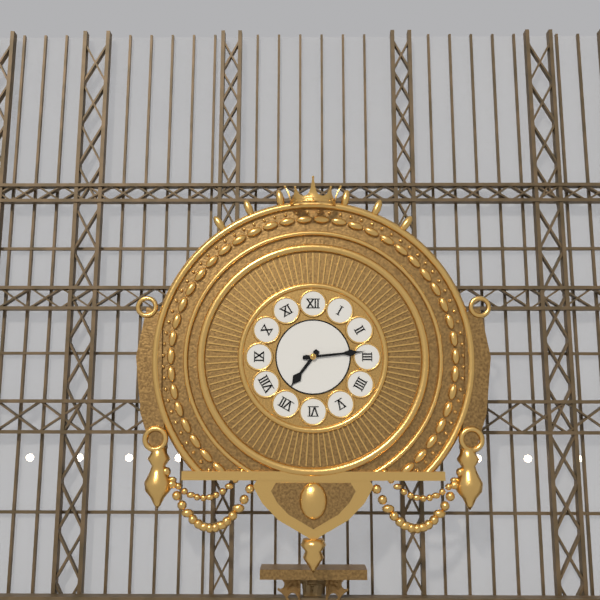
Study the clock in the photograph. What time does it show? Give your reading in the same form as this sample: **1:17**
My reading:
**7:14**
